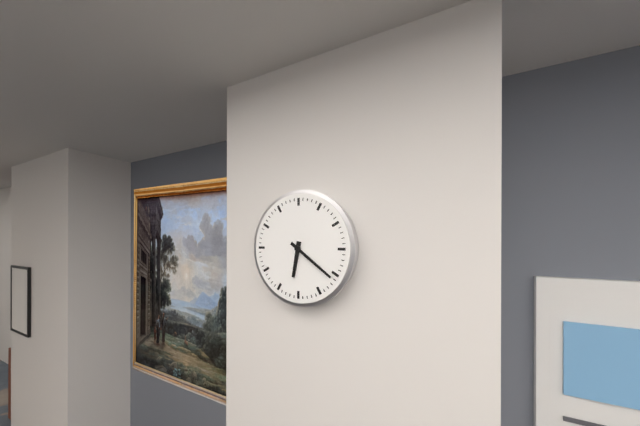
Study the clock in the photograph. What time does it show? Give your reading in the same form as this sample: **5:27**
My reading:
**6:21**
